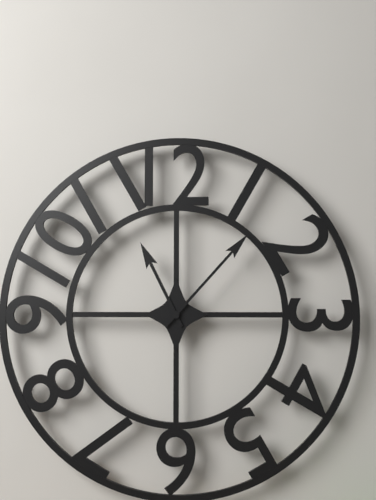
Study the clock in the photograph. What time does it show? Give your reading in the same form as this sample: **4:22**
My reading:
**11:07**
